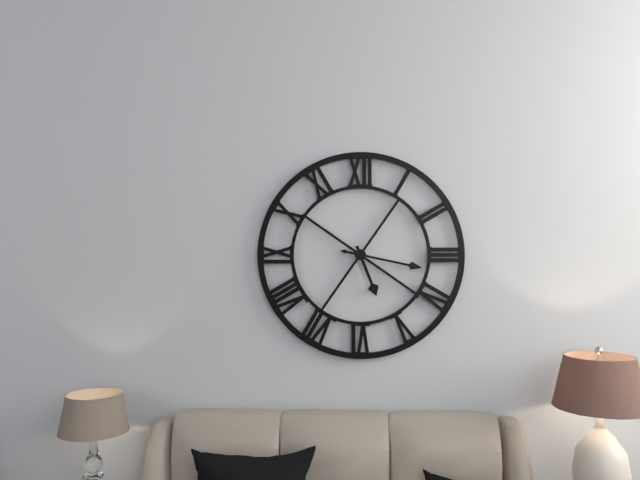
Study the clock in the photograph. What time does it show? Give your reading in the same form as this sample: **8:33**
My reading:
**5:17**
